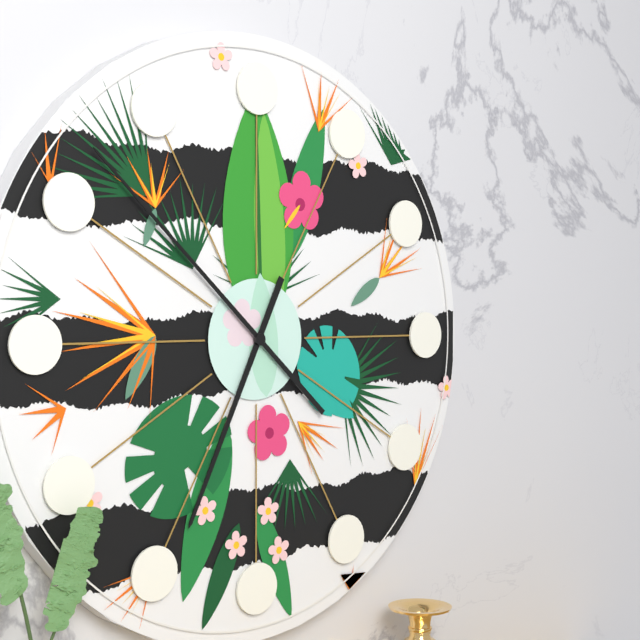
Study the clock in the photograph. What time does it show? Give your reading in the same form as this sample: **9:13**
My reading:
**6:52**
